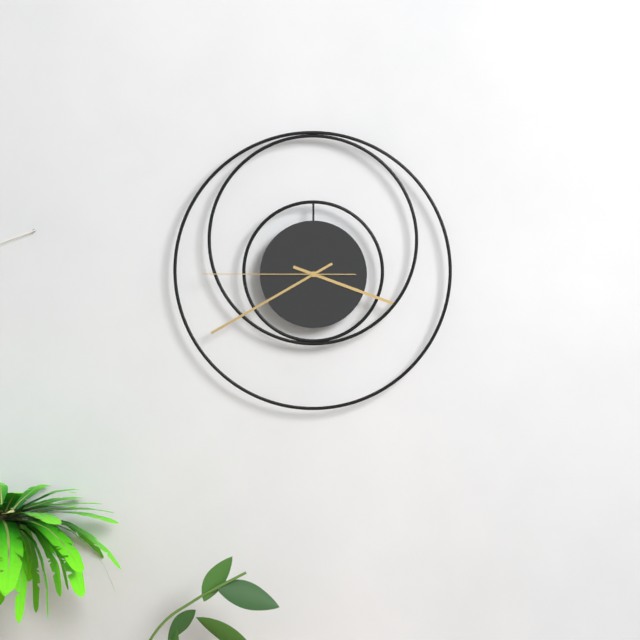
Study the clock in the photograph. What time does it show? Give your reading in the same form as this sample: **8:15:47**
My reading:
**3:40:45**
